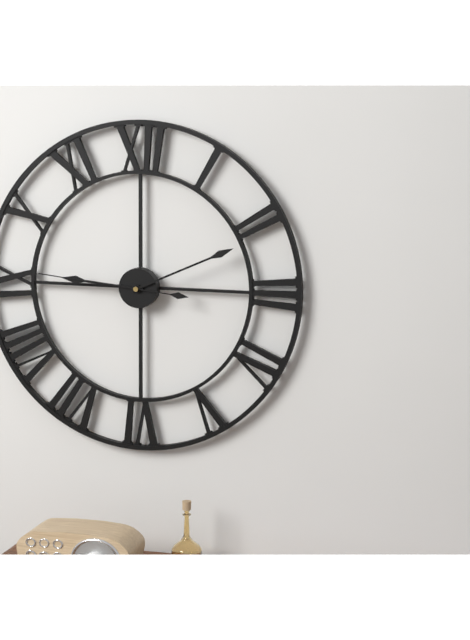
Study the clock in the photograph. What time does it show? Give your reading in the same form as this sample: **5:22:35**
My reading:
**9:11:46**
